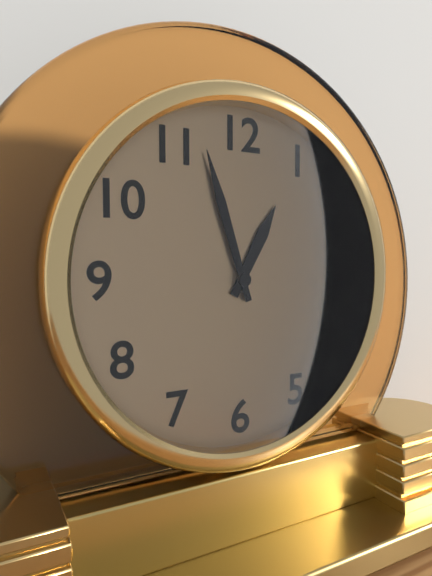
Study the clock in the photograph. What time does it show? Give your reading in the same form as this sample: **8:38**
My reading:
**12:57**
